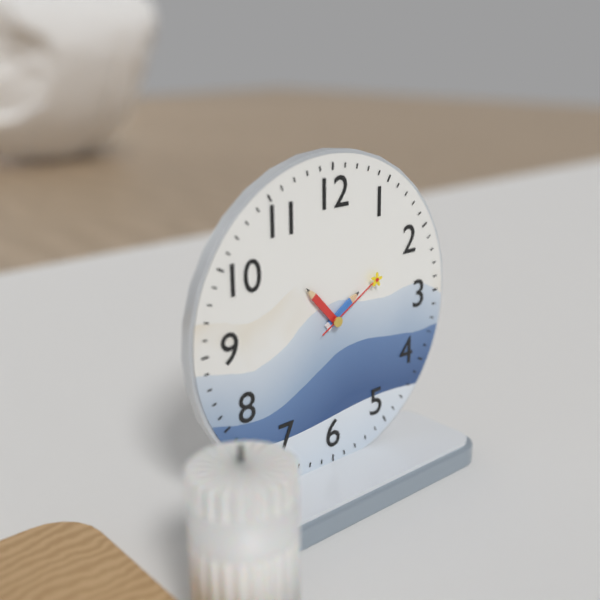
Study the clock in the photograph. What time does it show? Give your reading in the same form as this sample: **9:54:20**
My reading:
**1:53:10**
